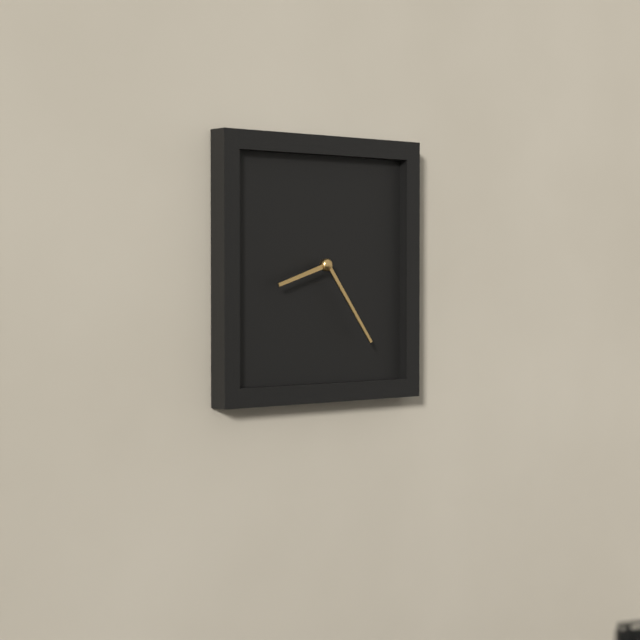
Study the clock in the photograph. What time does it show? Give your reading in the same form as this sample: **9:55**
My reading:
**8:24**
